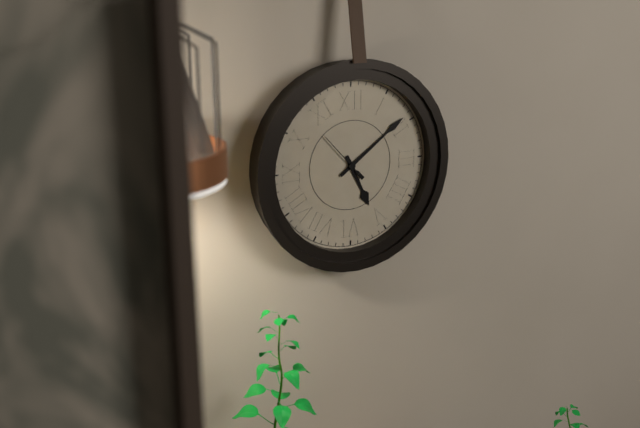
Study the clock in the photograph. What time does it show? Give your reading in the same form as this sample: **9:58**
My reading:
**5:09**
